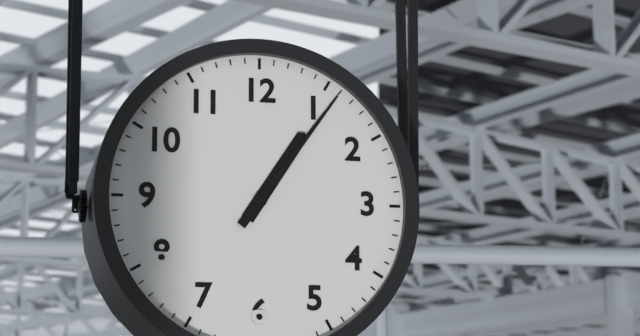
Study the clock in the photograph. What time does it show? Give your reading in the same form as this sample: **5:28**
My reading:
**1:06**
